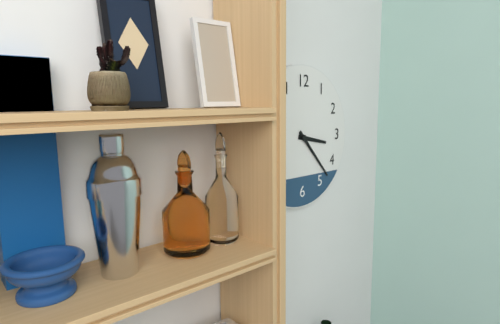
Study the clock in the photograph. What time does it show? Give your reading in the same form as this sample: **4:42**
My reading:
**3:23**
